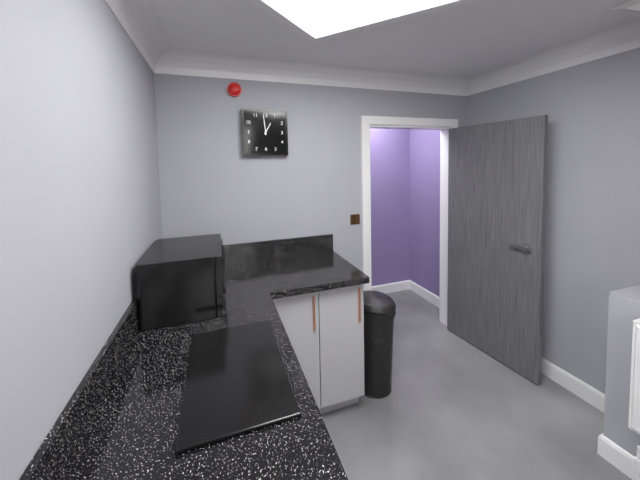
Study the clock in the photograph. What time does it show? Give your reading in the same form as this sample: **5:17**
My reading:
**12:59**
